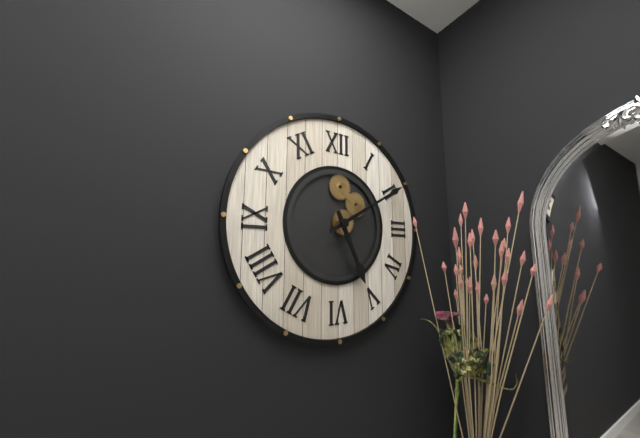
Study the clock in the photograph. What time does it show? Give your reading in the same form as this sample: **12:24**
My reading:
**5:10**
